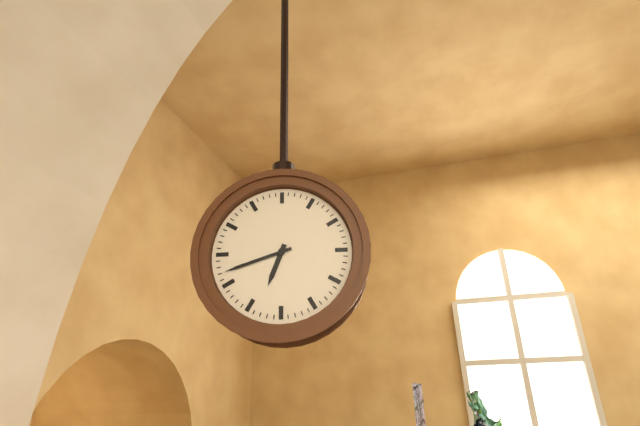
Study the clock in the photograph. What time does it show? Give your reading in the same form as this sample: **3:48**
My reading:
**6:42**
